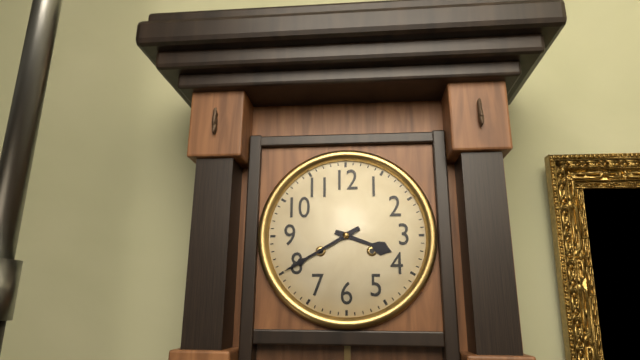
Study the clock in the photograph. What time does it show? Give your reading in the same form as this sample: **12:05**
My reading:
**3:40**
